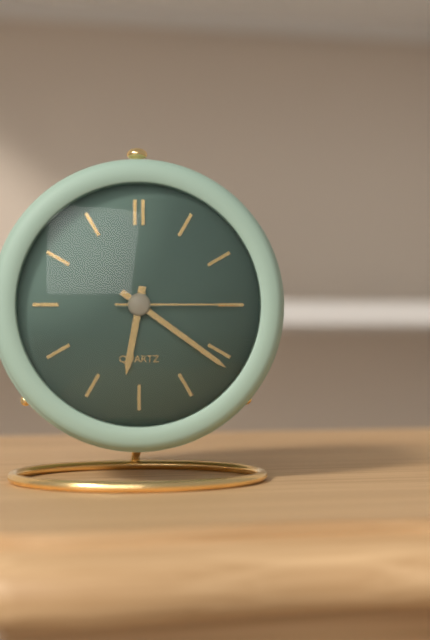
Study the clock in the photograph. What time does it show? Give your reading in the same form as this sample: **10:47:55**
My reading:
**6:21:15**
